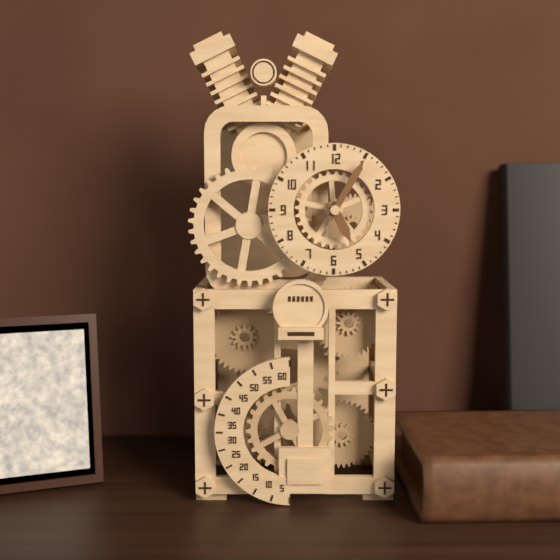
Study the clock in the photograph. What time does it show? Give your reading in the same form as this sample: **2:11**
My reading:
**5:05**
